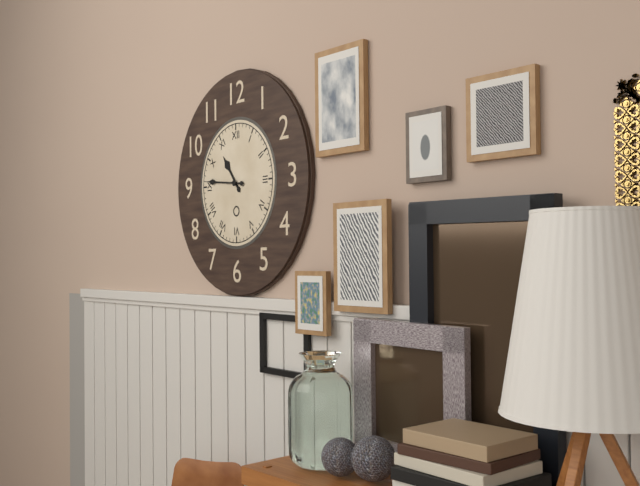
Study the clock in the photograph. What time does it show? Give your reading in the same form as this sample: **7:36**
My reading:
**10:46**
